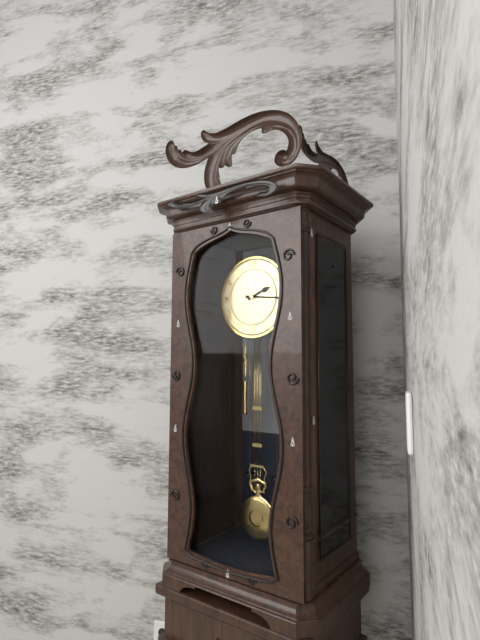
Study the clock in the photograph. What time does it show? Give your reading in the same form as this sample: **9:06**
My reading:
**2:16**
